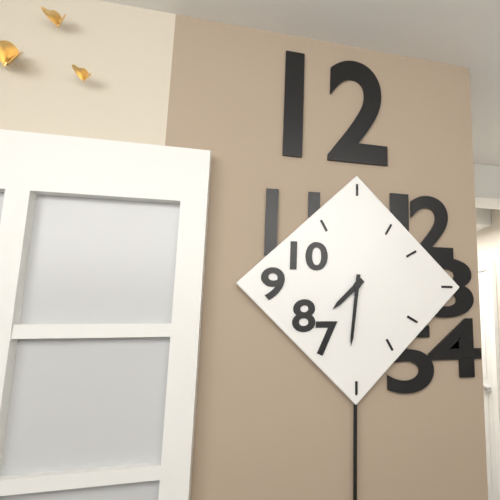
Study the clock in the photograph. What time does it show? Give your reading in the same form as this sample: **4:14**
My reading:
**7:31**
